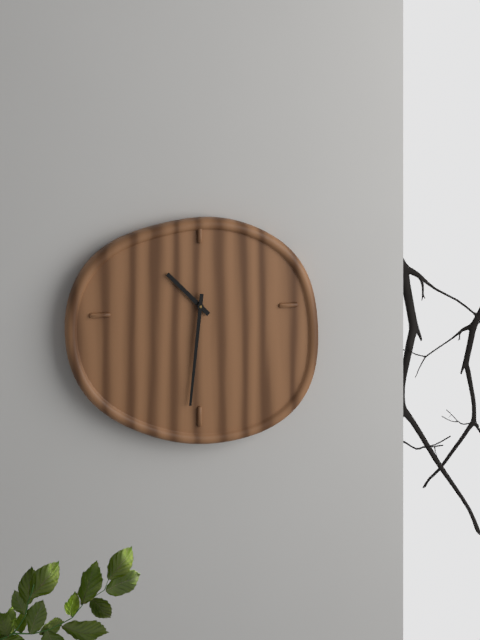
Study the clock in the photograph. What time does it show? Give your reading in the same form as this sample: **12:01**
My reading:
**10:31**
